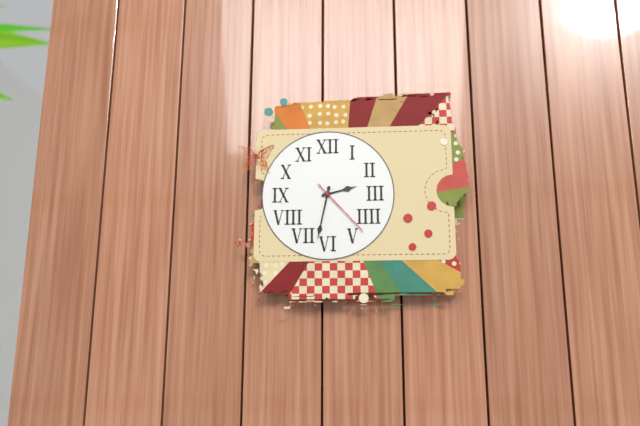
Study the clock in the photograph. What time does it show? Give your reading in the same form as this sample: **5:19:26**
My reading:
**2:32:23**
